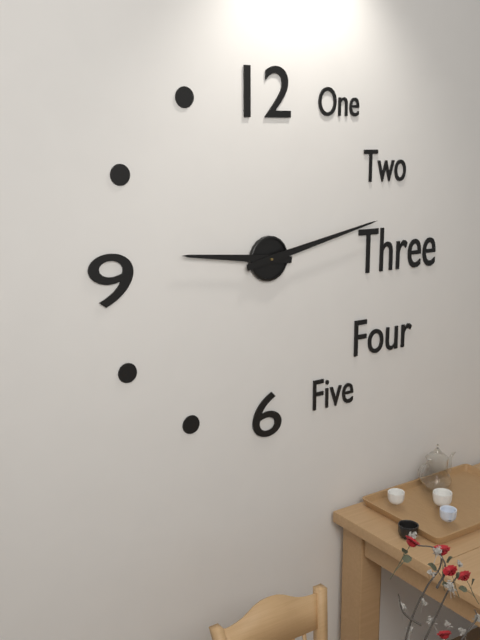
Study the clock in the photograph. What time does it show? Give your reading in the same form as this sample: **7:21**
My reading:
**9:13**
